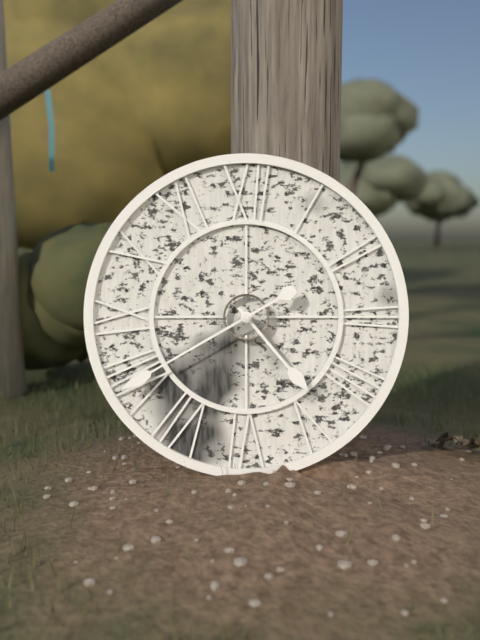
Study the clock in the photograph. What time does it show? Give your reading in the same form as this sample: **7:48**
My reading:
**4:40**
